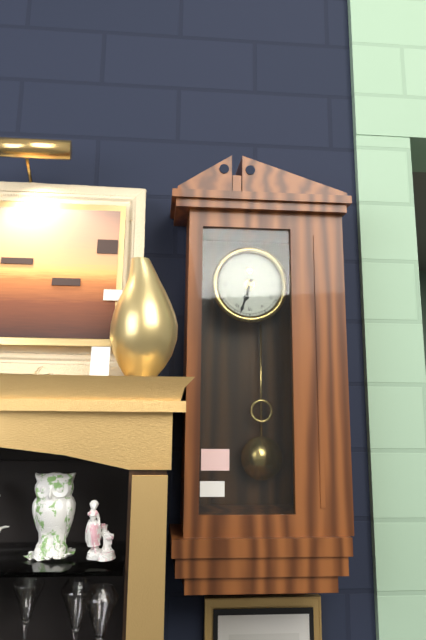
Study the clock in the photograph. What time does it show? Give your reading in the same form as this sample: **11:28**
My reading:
**6:33**
